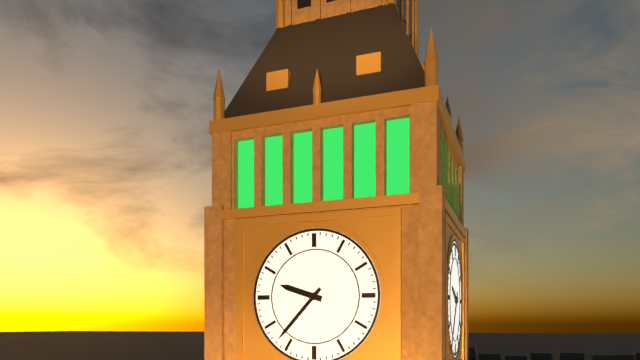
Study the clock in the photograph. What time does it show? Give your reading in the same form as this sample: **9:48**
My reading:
**9:37**
